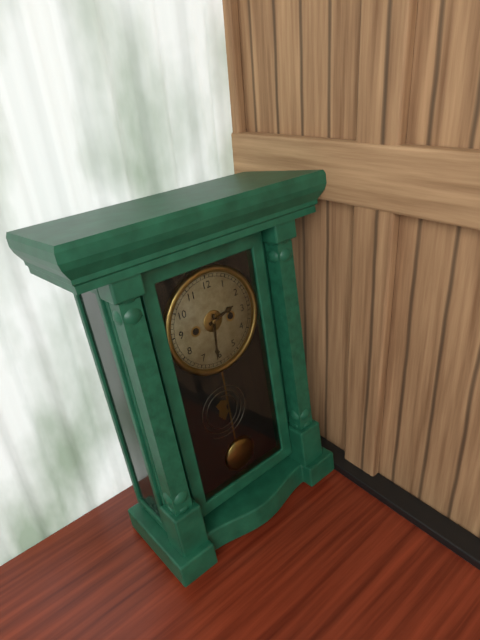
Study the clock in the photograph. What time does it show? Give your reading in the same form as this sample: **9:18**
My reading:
**2:31**
